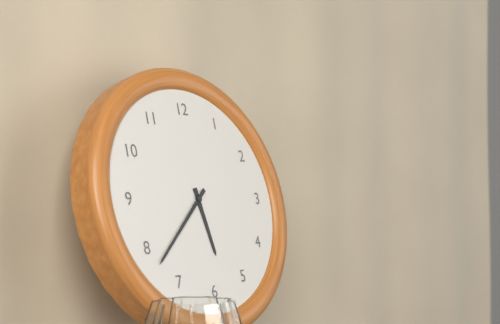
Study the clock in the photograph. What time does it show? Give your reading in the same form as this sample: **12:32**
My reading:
**5:38**
